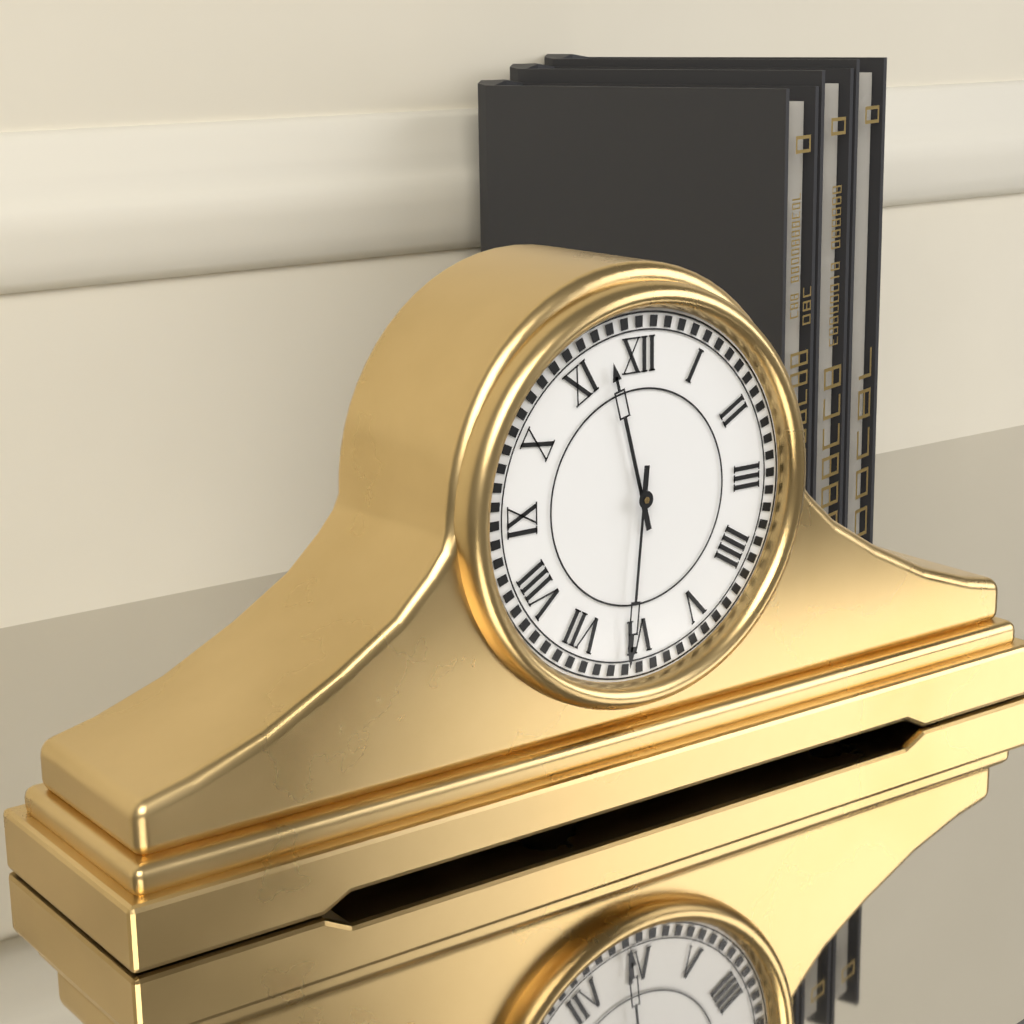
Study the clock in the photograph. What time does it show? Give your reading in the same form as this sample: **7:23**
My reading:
**11:31**
